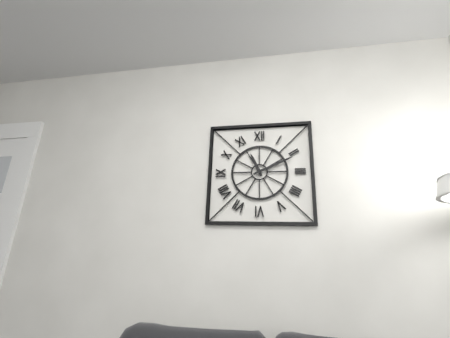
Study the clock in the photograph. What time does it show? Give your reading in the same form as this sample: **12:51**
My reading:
**11:11**
